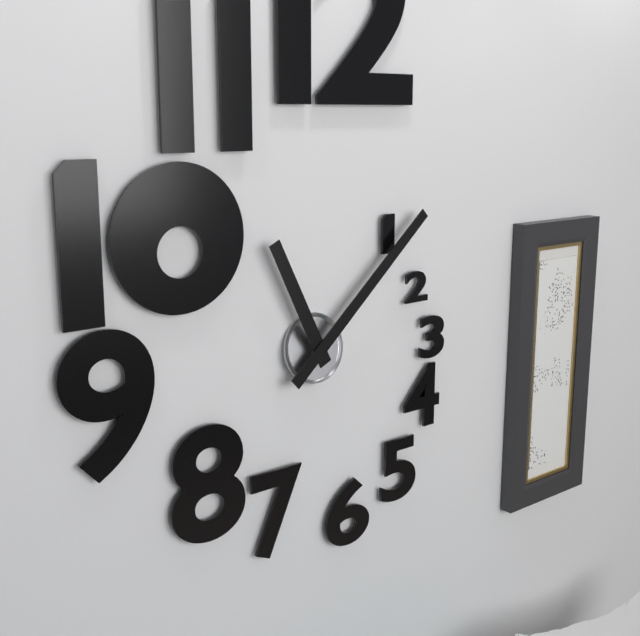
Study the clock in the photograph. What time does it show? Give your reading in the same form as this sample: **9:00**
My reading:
**11:08**
